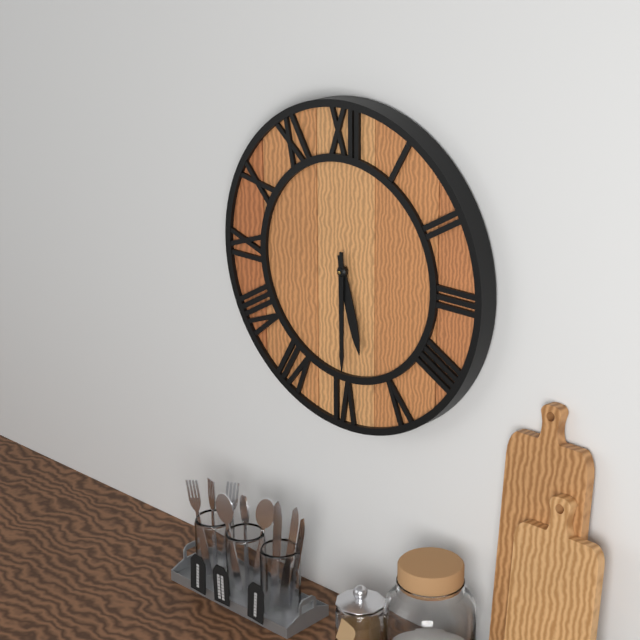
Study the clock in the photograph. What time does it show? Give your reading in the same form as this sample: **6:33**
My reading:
**5:30**
